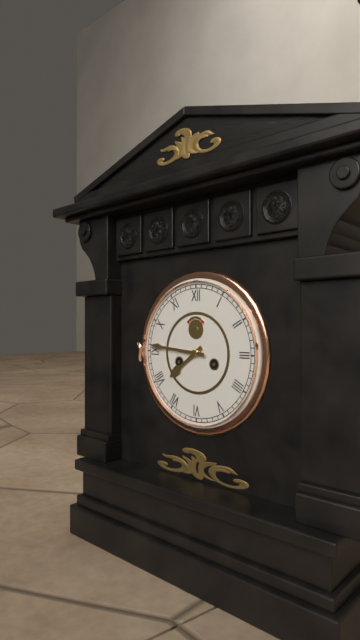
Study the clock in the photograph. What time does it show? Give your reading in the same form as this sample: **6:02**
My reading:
**7:46**
